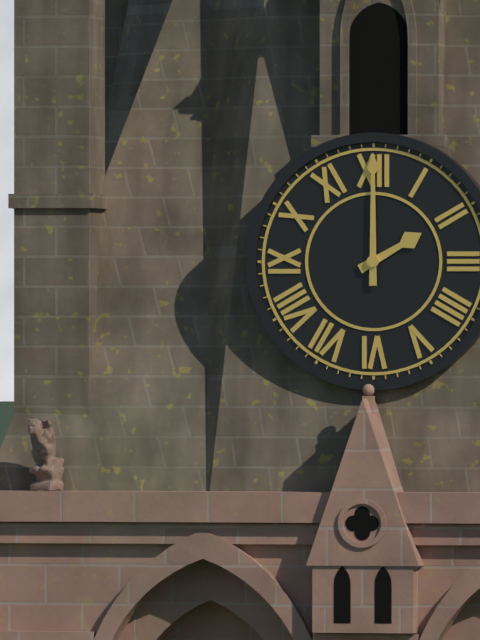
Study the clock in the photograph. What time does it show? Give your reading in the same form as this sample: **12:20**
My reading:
**2:00**
